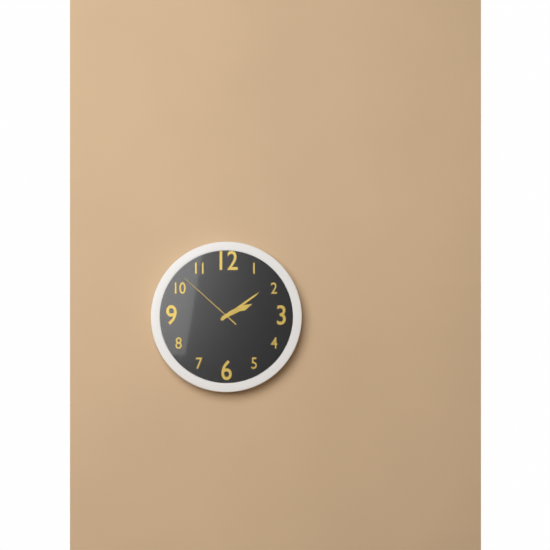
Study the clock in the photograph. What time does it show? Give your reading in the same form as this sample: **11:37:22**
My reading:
**2:09:52**
